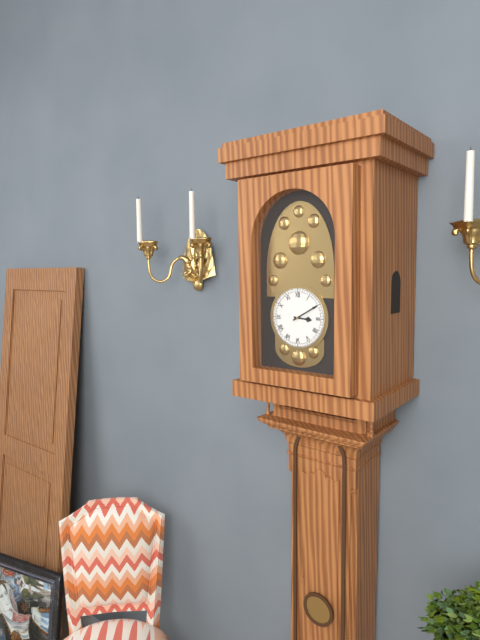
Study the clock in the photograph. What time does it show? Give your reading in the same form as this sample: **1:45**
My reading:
**3:10**
